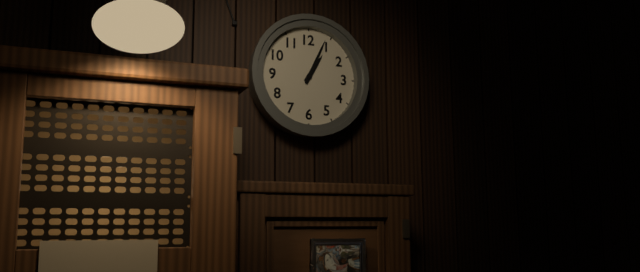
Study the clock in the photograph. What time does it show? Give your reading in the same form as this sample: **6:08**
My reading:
**1:04**
